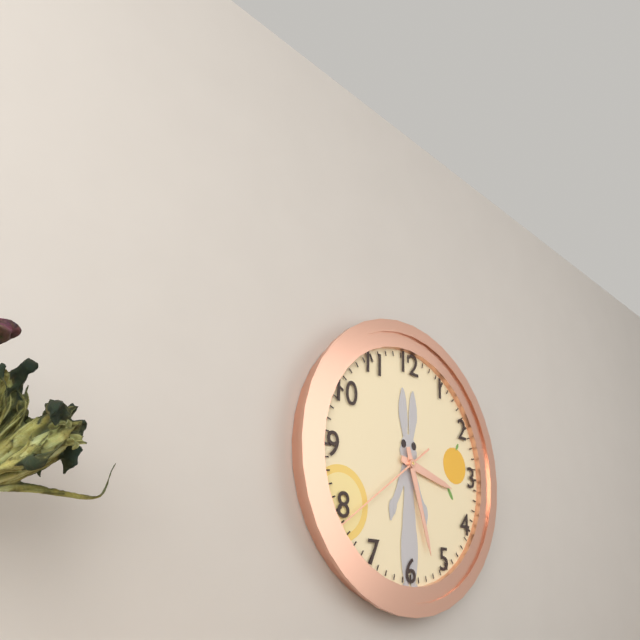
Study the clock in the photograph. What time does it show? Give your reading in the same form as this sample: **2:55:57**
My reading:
**3:27:39**
